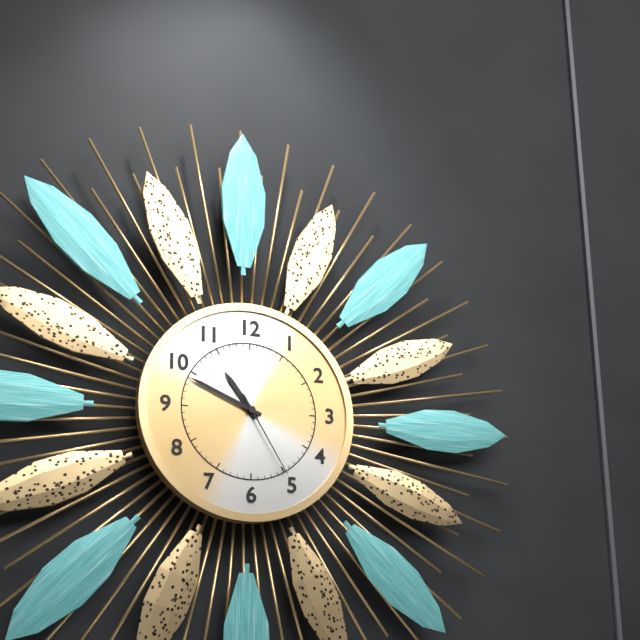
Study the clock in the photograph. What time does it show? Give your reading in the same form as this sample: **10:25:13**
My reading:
**10:49:25**
